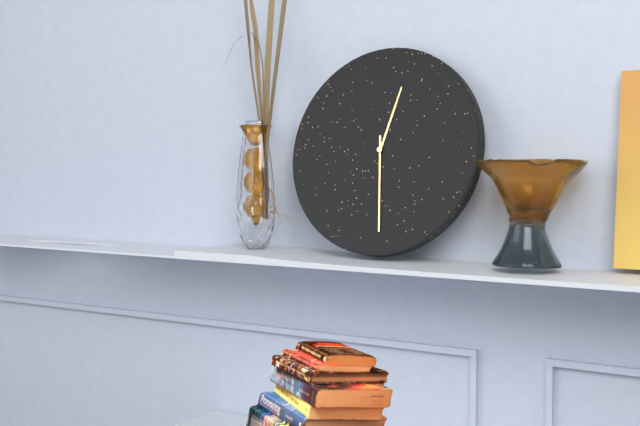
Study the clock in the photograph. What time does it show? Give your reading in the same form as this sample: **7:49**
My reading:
**12:29**
